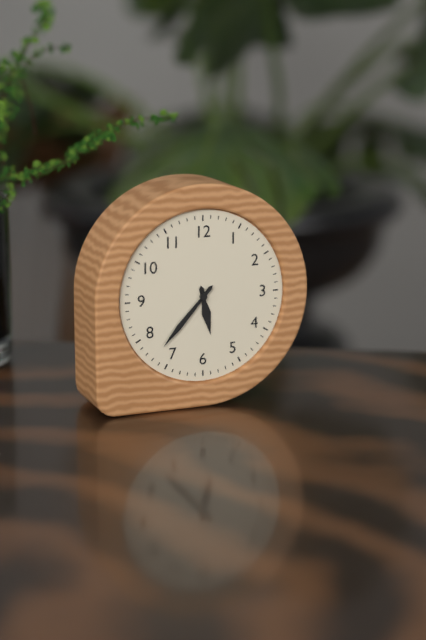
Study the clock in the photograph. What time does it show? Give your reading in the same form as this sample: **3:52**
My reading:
**5:37**
